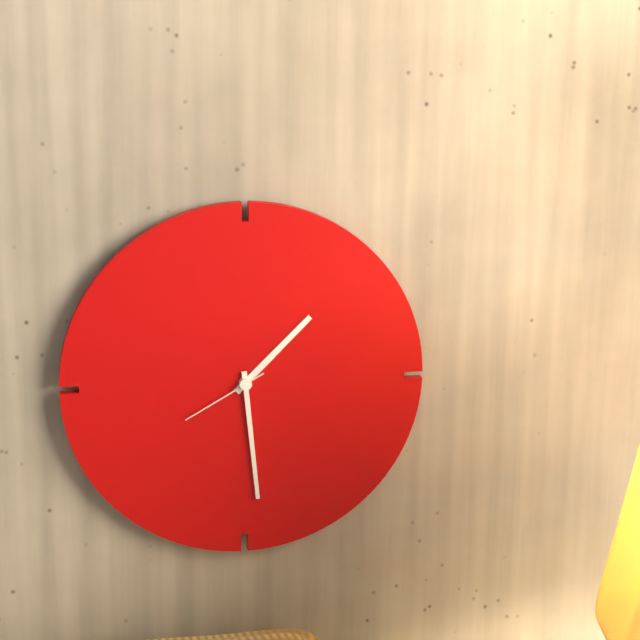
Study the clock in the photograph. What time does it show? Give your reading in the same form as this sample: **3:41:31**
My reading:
**1:29:40**
